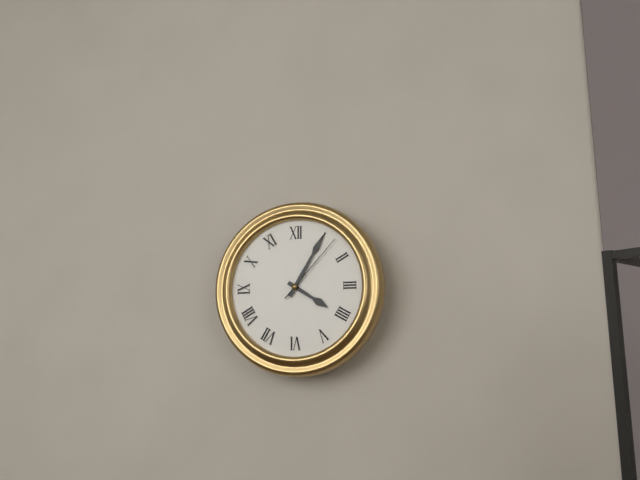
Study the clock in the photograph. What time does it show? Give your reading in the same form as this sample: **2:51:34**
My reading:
**4:05:07**
